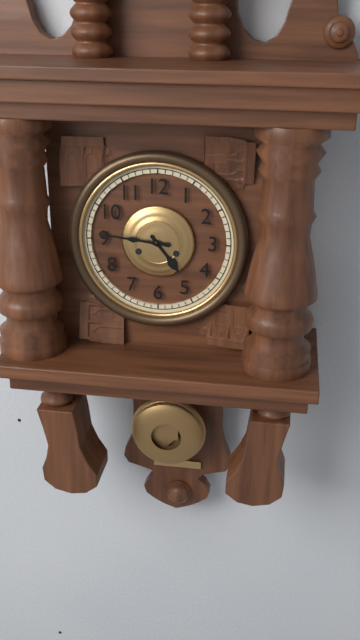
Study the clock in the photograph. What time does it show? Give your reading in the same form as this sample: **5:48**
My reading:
**4:46**
